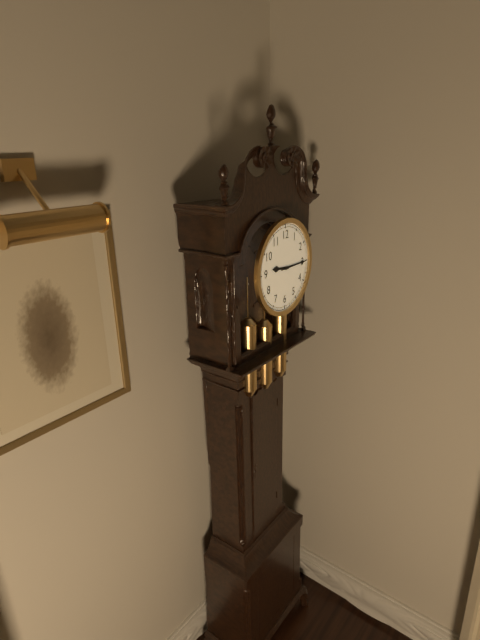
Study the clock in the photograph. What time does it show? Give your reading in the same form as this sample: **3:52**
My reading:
**9:15**
